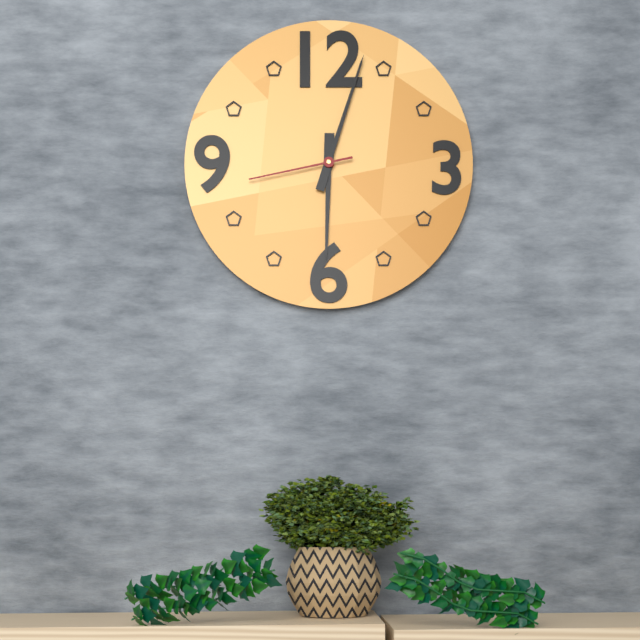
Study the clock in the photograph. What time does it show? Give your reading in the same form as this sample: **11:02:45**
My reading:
**6:03:43**
